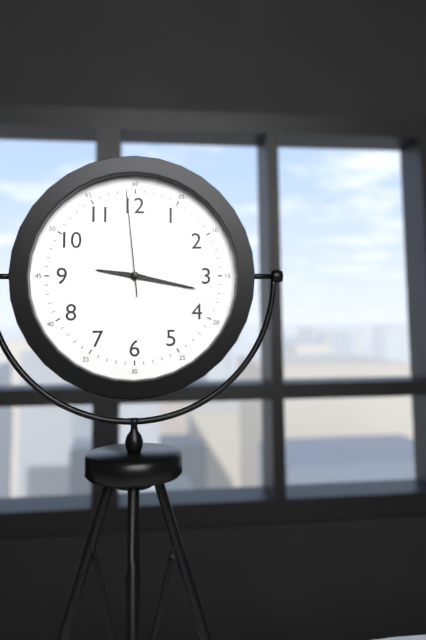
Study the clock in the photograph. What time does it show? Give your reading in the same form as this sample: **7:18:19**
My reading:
**9:17:59**
